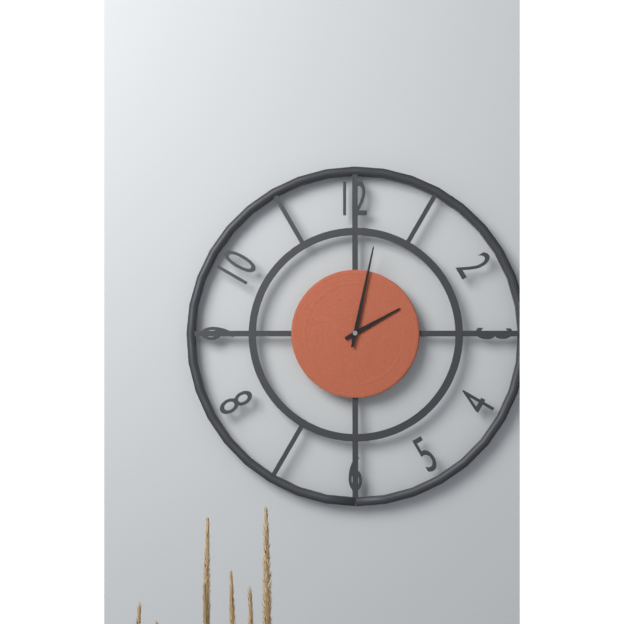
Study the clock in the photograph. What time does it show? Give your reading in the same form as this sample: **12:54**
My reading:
**2:02**
